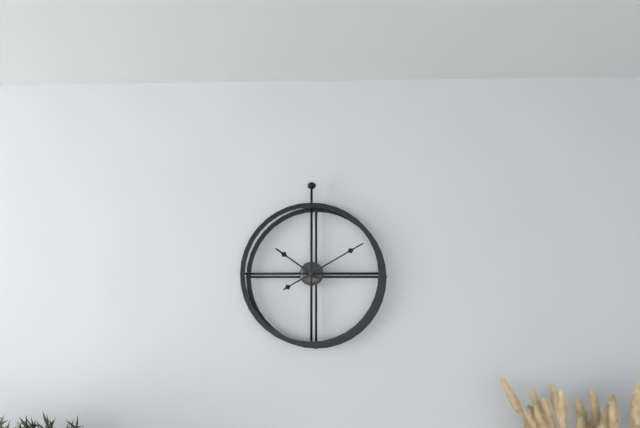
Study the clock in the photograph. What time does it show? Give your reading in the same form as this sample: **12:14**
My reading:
**10:10**
